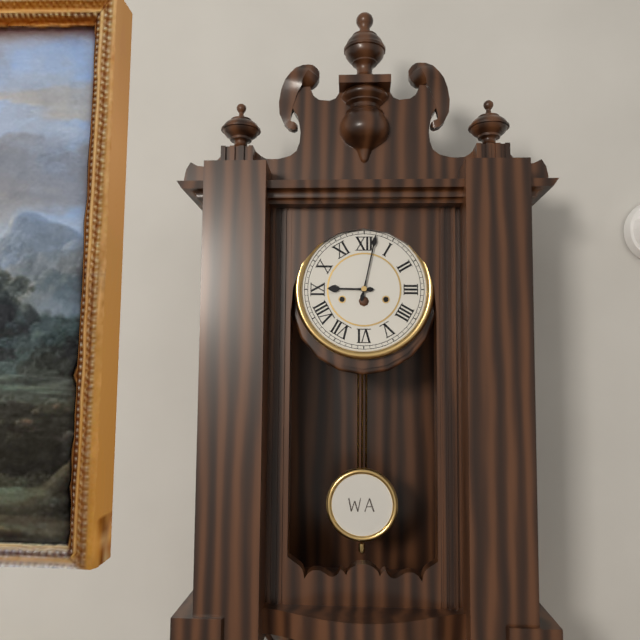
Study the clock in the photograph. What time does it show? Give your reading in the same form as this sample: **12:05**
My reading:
**9:02**
